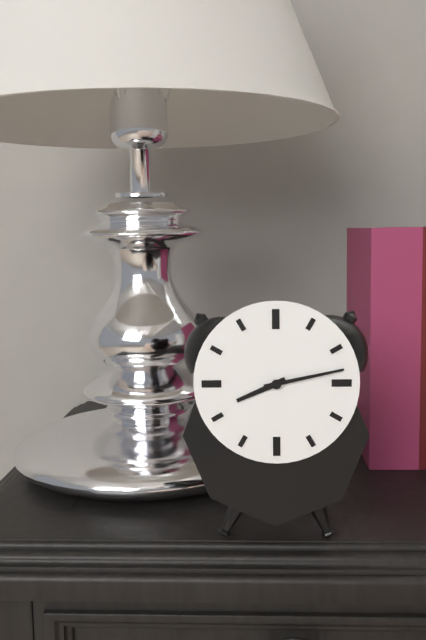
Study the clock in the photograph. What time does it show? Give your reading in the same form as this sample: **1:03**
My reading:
**8:13**
